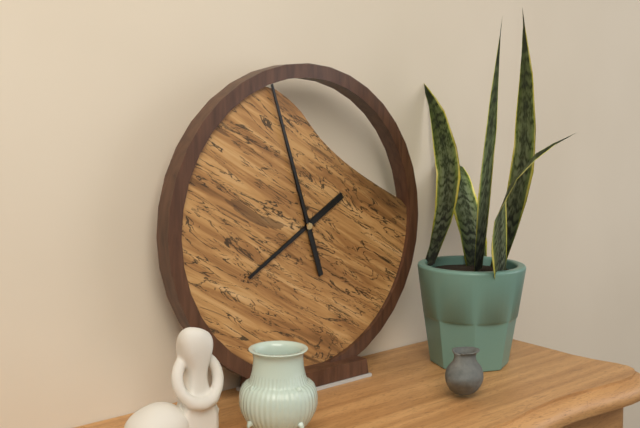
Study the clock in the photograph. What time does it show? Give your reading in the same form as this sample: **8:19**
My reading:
**7:57**
